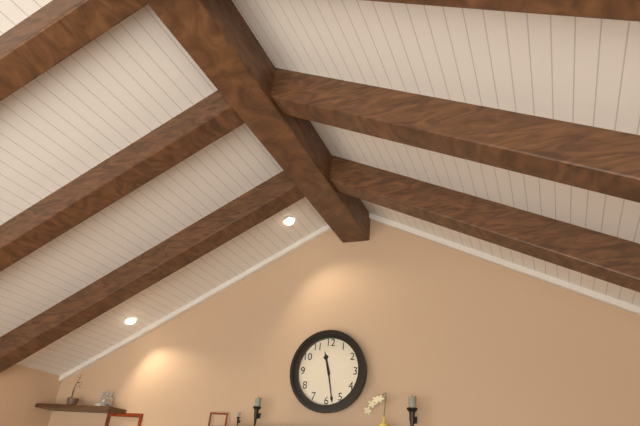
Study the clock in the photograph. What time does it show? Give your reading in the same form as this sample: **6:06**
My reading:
**11:28**
